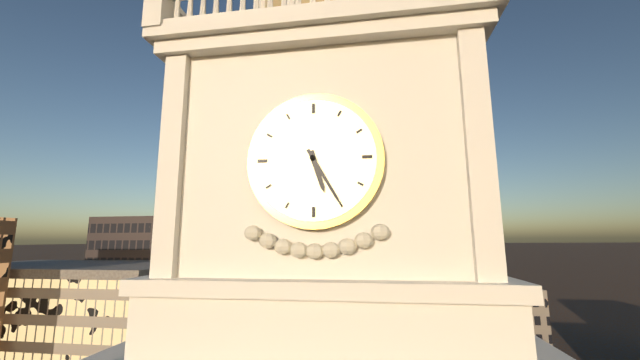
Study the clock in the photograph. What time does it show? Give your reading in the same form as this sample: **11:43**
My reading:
**5:25**
